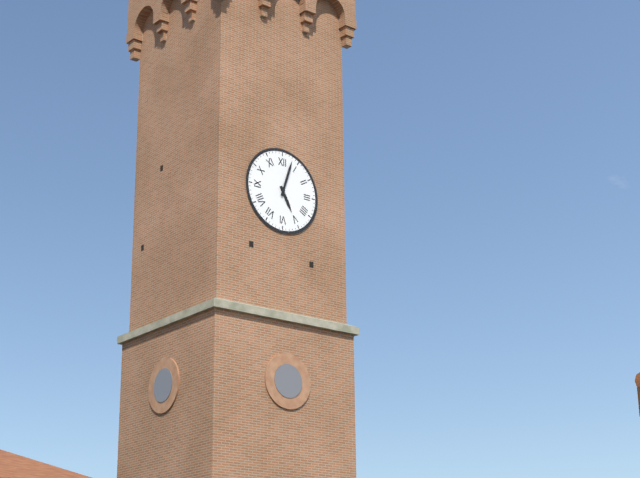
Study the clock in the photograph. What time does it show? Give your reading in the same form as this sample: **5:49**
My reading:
**5:03**
